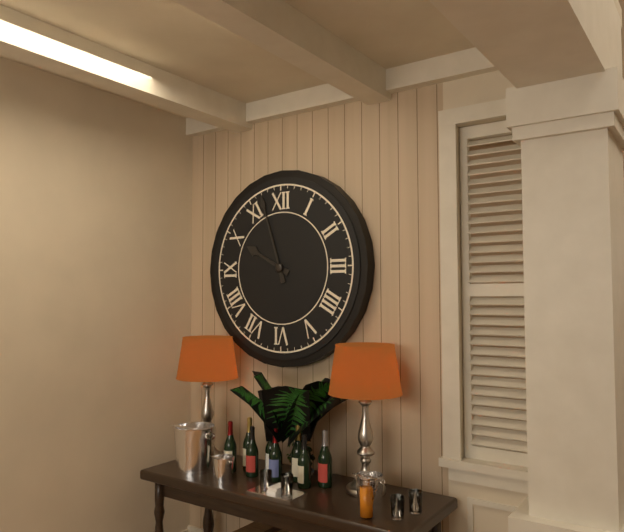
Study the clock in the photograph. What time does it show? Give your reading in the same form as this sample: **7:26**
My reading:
**9:57**
